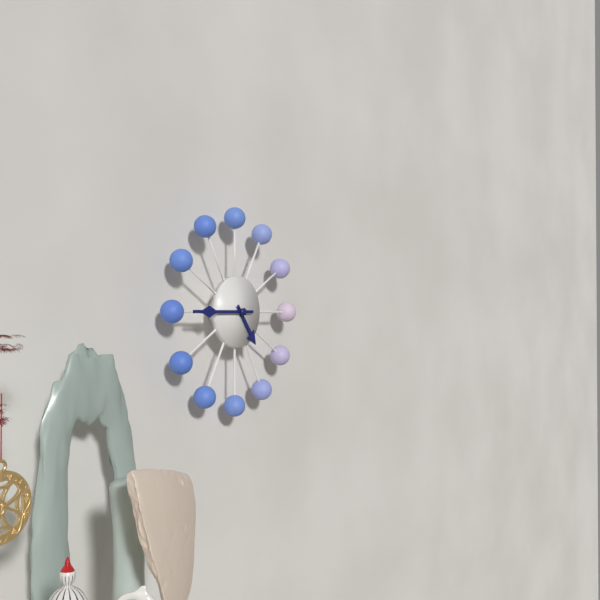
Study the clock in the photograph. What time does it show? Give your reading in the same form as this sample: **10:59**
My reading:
**4:45**
